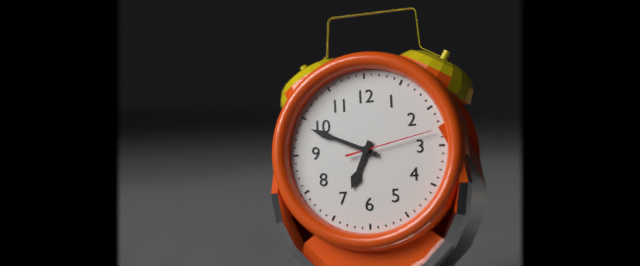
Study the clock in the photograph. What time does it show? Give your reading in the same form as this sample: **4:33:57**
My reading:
**6:49:13**
